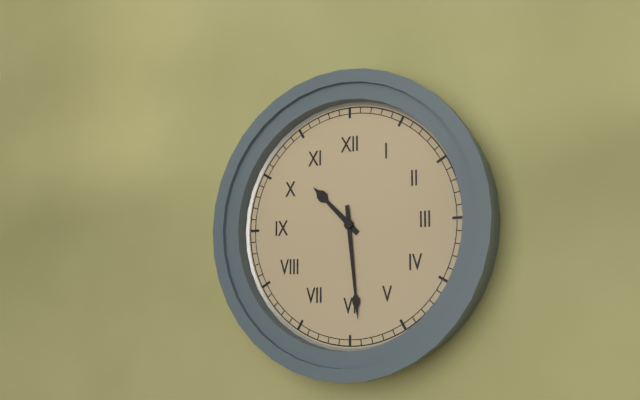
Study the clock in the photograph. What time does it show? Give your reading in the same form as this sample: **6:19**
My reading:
**10:29**
